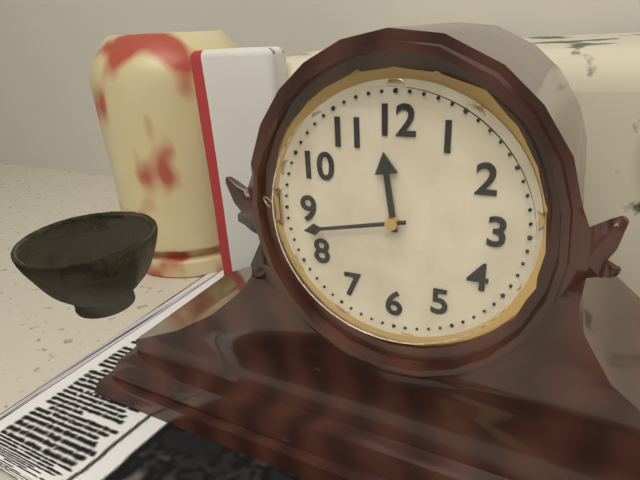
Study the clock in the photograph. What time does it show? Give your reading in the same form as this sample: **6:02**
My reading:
**11:43**
